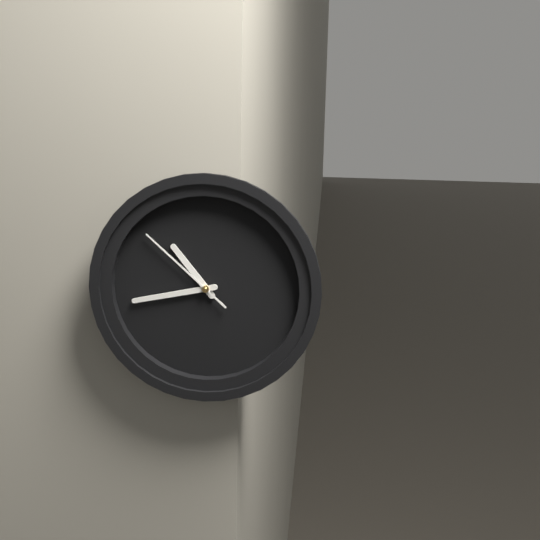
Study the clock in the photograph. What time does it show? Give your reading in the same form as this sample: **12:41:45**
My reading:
**10:43:52**
